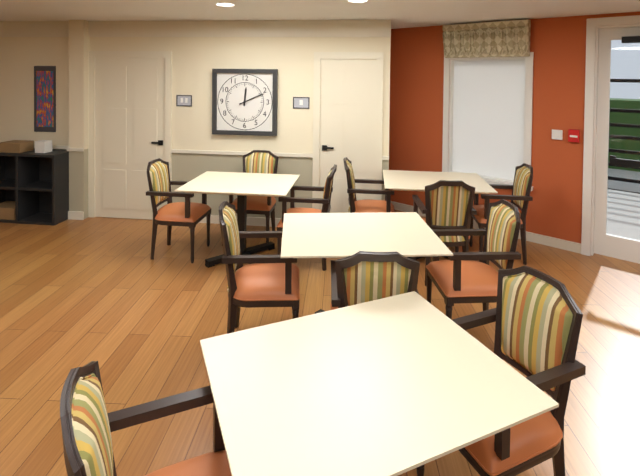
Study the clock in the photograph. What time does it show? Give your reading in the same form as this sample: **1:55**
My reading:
**12:11**
